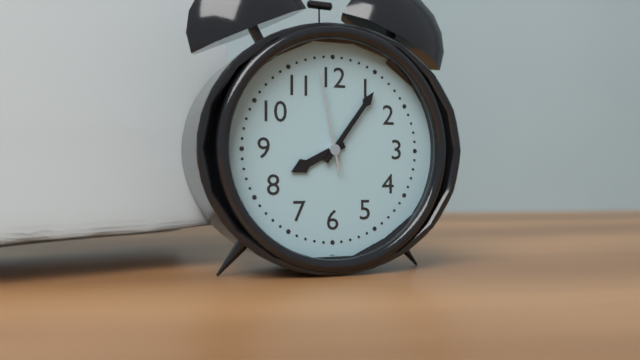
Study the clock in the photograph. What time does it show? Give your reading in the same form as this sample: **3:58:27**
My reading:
**8:06:58**
